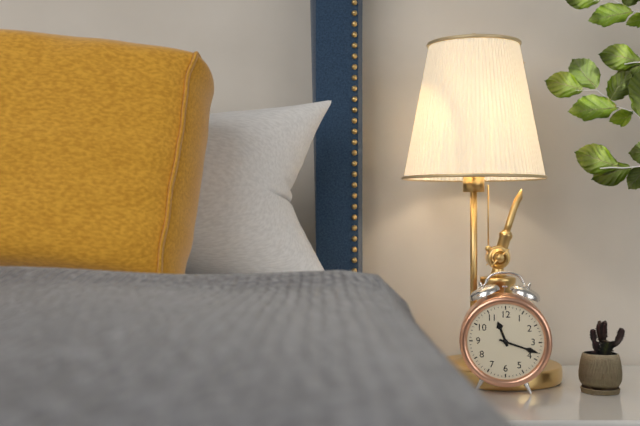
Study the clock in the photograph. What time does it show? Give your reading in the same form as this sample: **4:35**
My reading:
**11:18**
